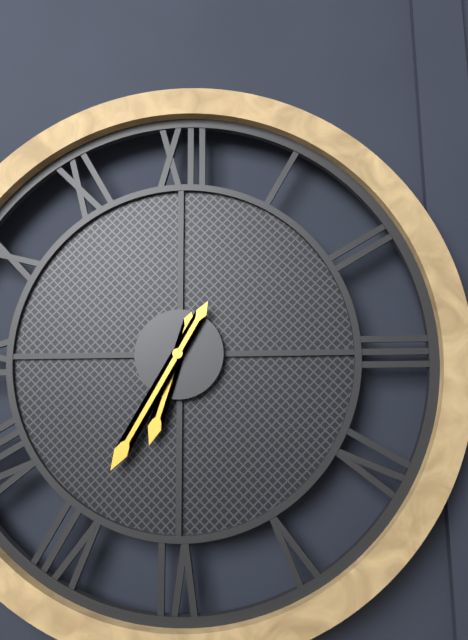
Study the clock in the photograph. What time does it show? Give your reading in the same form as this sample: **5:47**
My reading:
**6:35**
